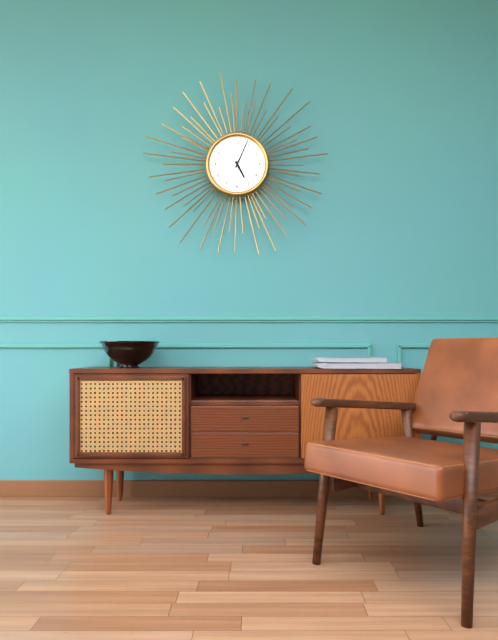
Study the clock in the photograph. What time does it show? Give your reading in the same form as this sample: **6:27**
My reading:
**5:04**
